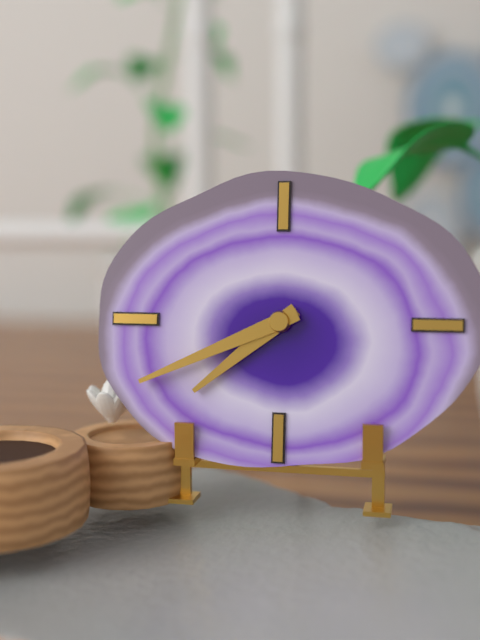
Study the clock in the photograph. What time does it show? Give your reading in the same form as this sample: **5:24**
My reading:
**7:41**
